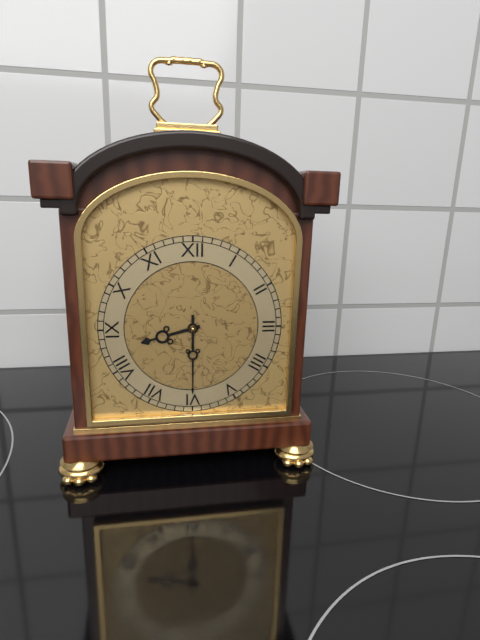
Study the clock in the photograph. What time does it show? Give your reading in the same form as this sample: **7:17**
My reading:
**8:30**
